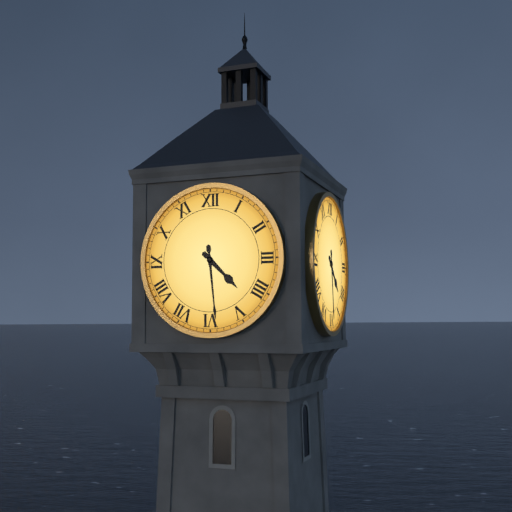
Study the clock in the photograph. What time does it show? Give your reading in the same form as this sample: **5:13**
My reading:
**4:29**
